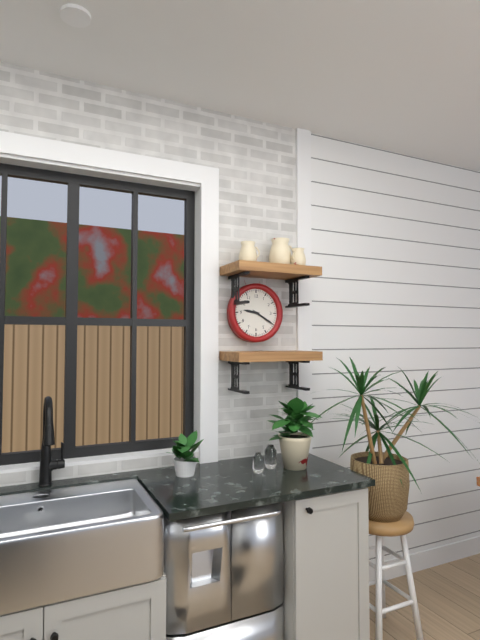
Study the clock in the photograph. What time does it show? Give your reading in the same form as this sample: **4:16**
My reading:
**9:20**
